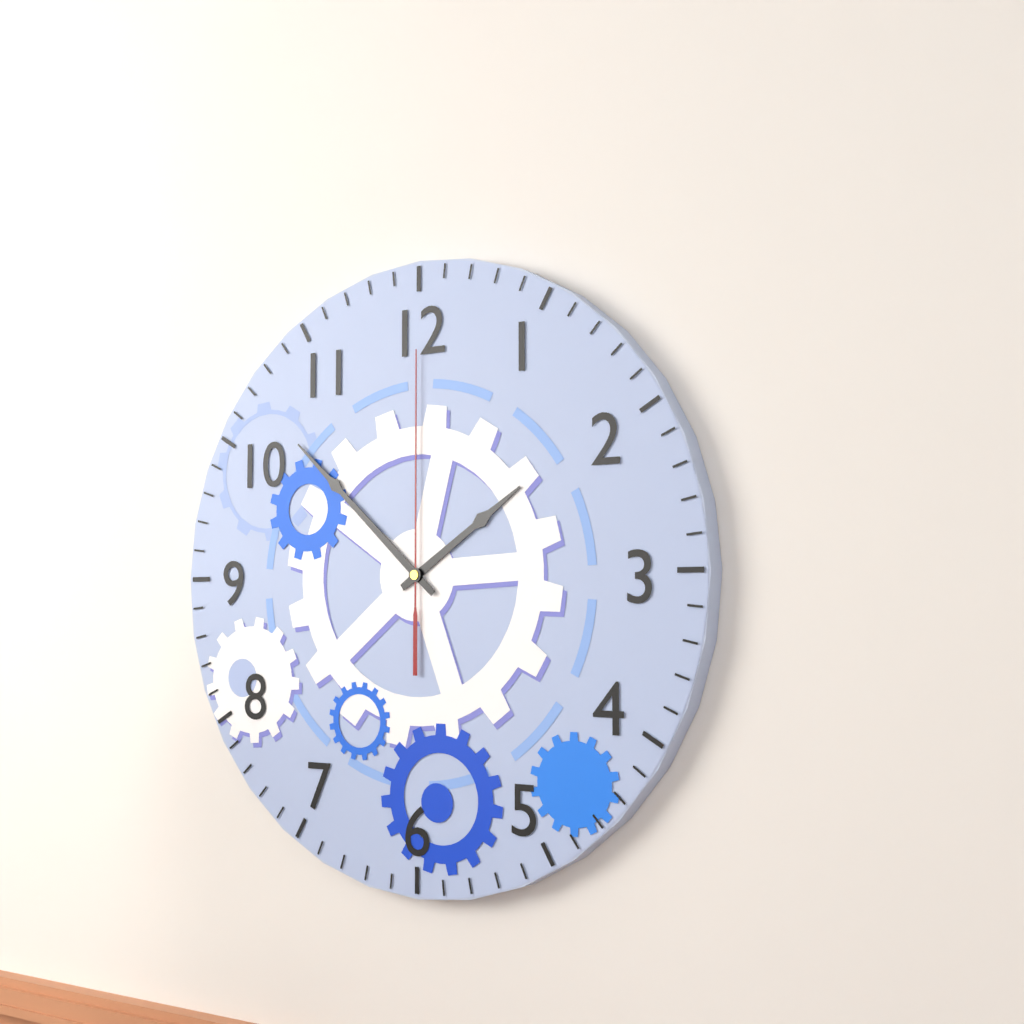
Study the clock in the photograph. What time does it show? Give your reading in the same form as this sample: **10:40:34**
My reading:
**1:52:00**
